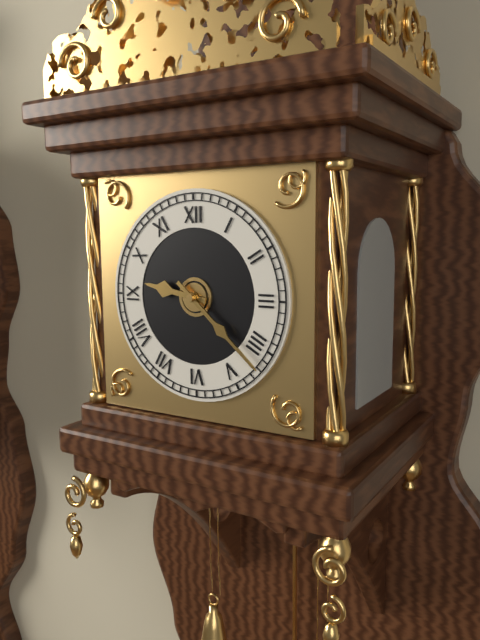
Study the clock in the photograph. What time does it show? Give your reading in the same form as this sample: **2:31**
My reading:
**9:22**
